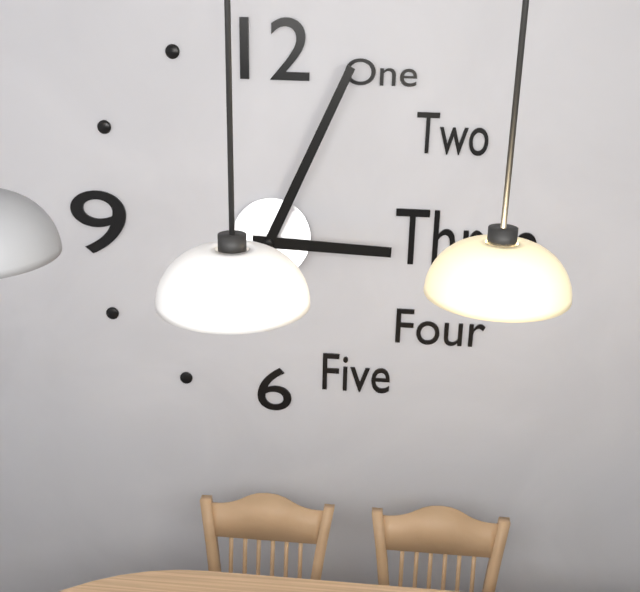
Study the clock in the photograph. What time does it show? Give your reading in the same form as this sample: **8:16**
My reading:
**3:04**
